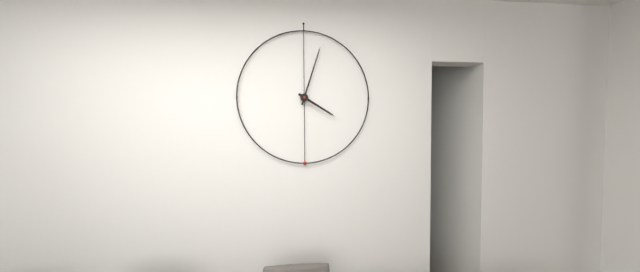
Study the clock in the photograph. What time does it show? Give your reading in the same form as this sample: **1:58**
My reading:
**4:03**
